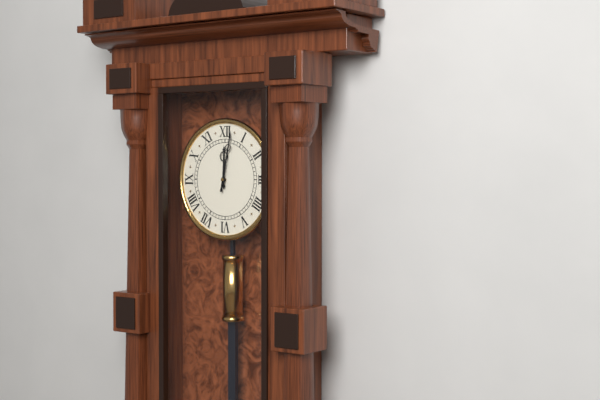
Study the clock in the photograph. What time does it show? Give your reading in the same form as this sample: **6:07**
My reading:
**12:02**
